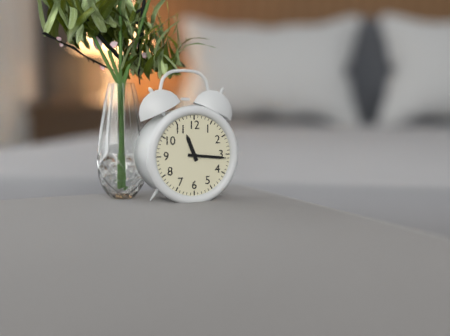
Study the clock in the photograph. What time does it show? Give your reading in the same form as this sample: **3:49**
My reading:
**11:16**
